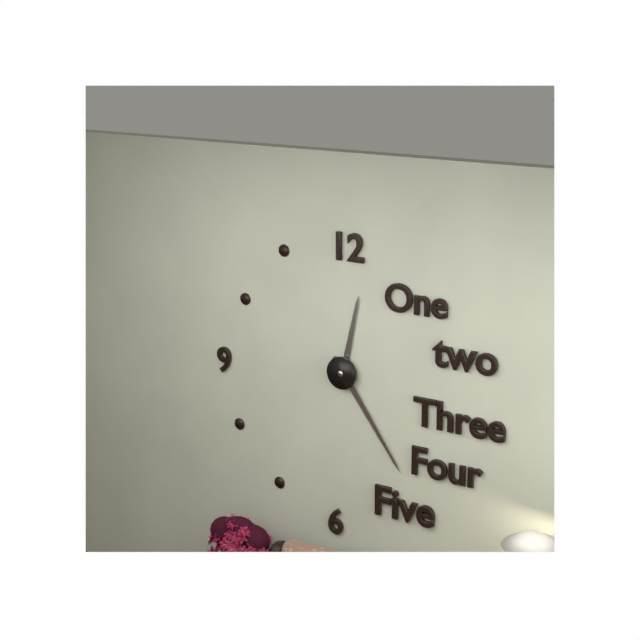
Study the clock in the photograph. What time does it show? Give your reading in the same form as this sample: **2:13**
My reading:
**12:24**
